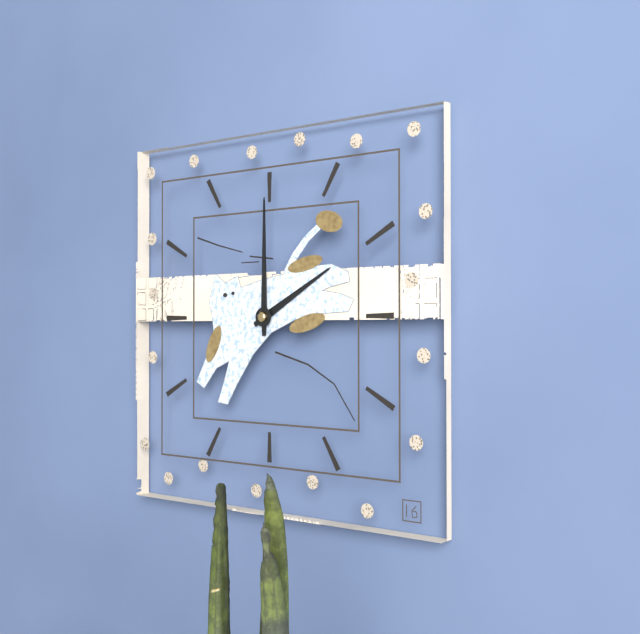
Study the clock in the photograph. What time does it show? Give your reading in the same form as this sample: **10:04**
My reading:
**2:00**
